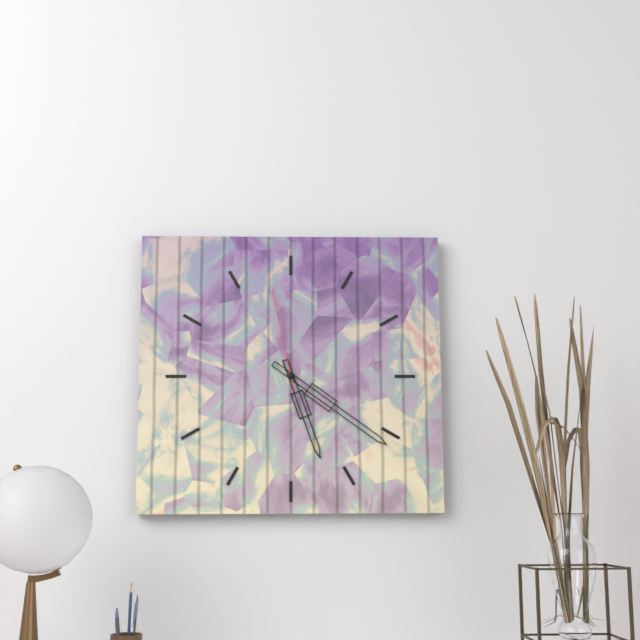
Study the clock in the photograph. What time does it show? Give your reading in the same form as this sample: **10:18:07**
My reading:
**5:21:58**
